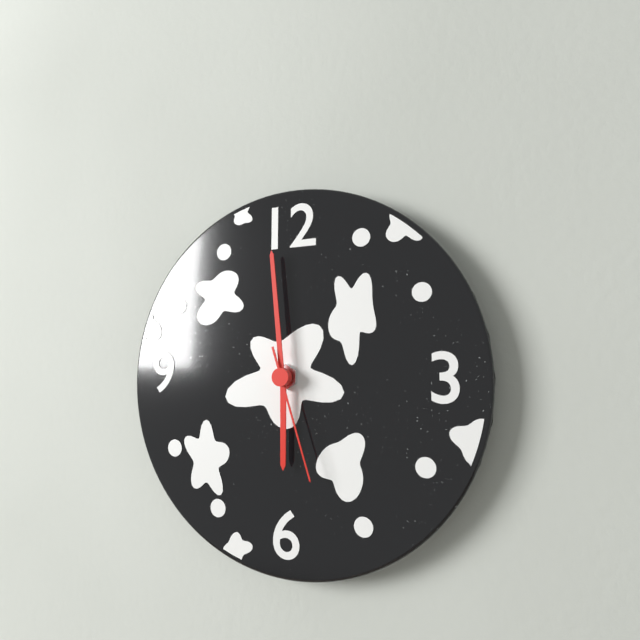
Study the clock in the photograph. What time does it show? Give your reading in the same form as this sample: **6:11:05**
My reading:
**5:59:27**
